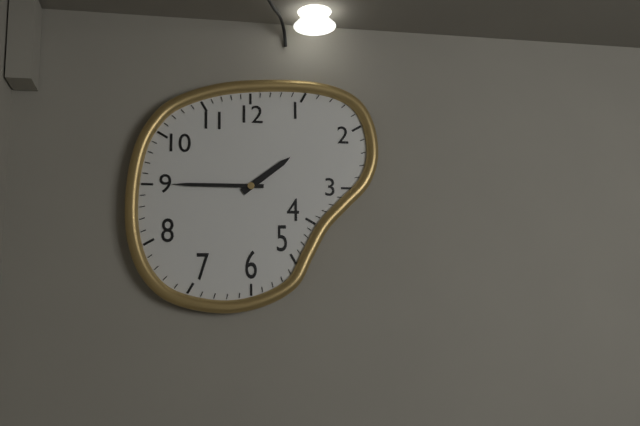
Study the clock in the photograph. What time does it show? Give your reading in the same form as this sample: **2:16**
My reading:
**1:45**
